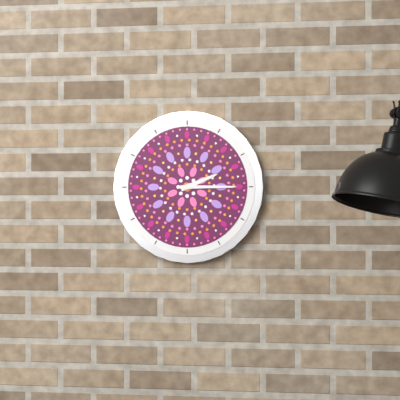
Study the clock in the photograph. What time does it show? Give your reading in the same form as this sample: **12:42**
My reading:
**2:15**
